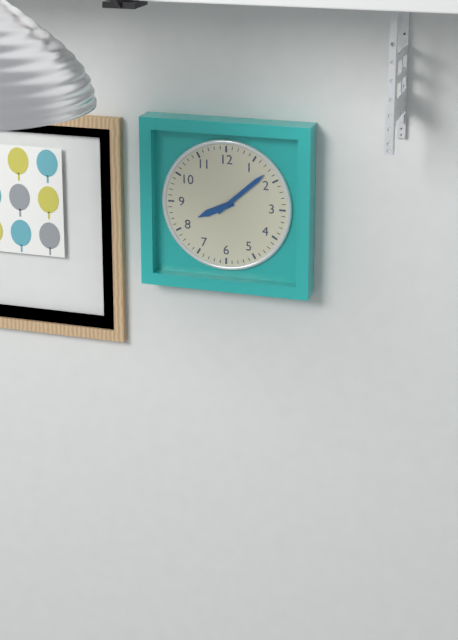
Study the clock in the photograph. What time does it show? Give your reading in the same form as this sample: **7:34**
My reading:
**8:08**
